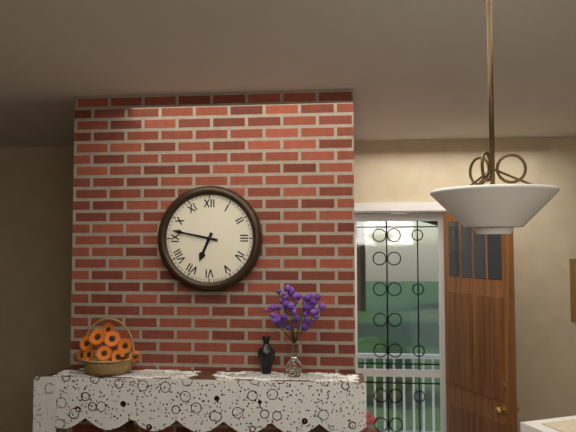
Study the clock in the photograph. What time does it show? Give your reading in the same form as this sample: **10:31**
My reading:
**6:47**
